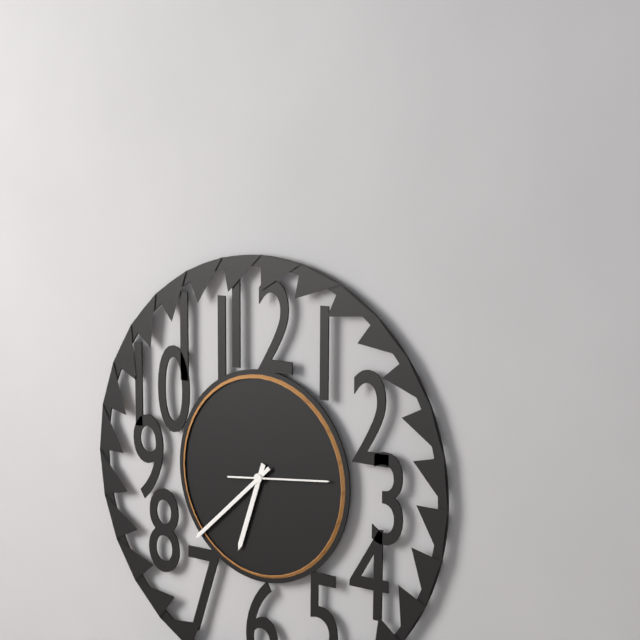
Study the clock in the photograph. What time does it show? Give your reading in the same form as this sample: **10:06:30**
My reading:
**6:38:14**
